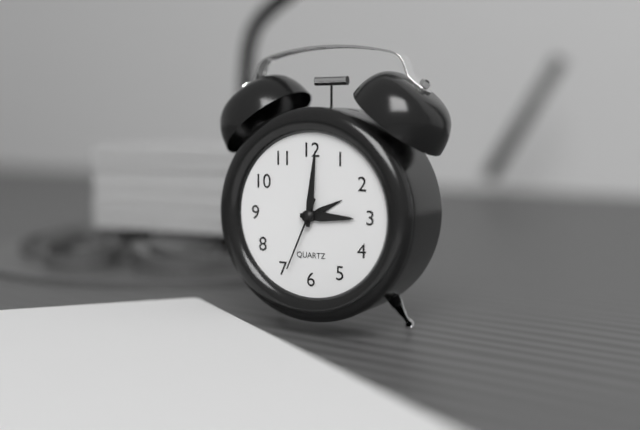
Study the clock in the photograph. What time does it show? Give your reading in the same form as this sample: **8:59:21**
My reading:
**3:01:34**
